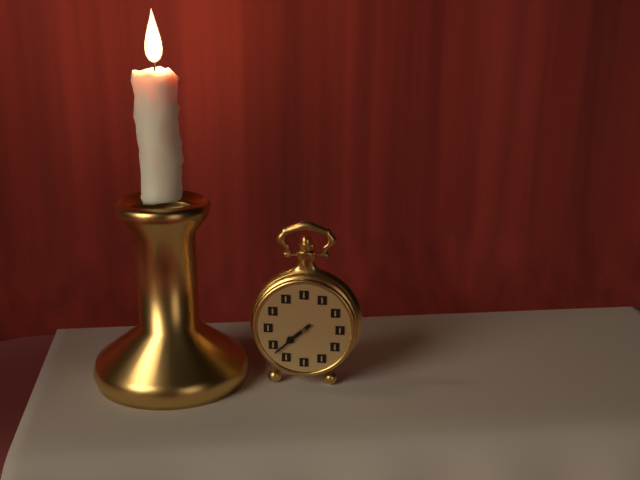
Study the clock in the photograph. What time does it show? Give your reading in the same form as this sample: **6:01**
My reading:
**7:38**
